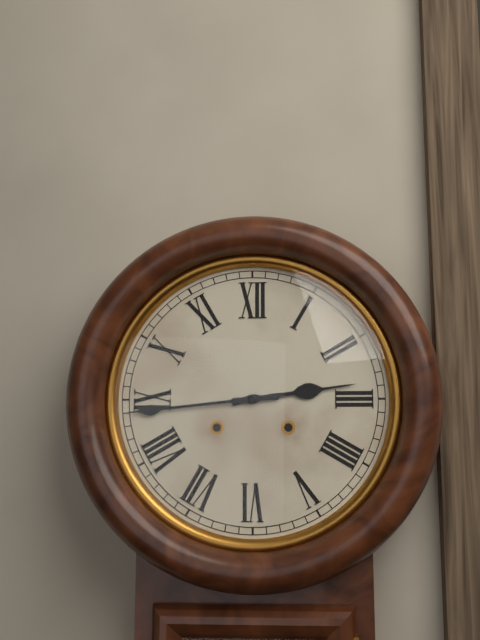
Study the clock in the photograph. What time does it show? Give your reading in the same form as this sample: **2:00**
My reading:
**2:44**
